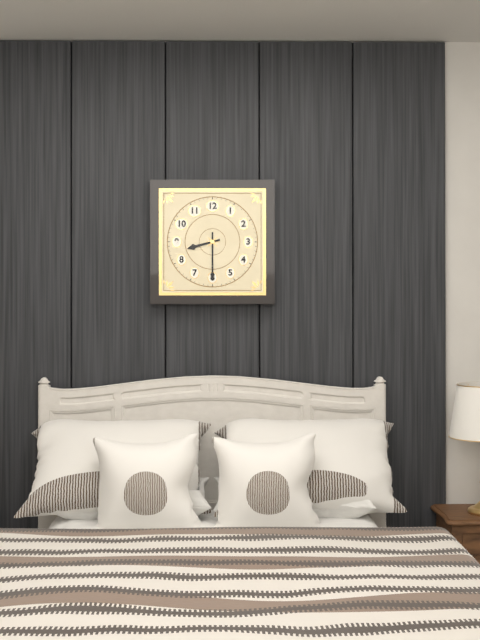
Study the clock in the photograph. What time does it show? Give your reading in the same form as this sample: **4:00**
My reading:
**8:30**
